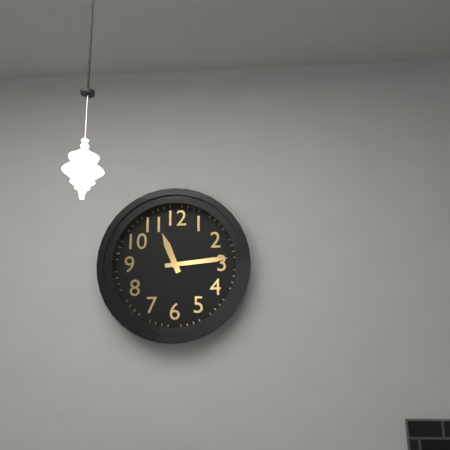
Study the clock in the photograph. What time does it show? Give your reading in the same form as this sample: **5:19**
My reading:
**11:14**
